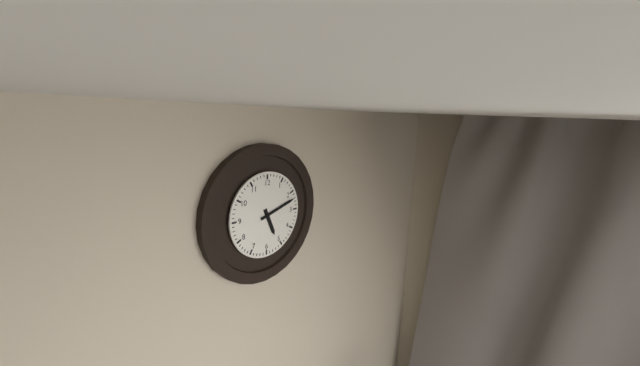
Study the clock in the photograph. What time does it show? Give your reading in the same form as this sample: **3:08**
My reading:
**5:12**
